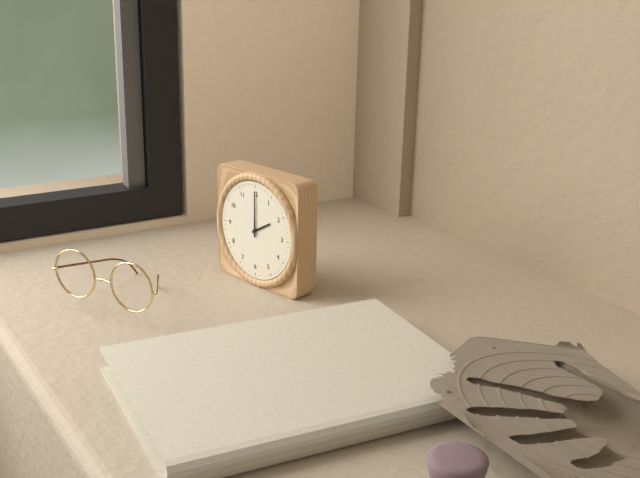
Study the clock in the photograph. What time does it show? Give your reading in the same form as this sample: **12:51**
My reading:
**2:00**
